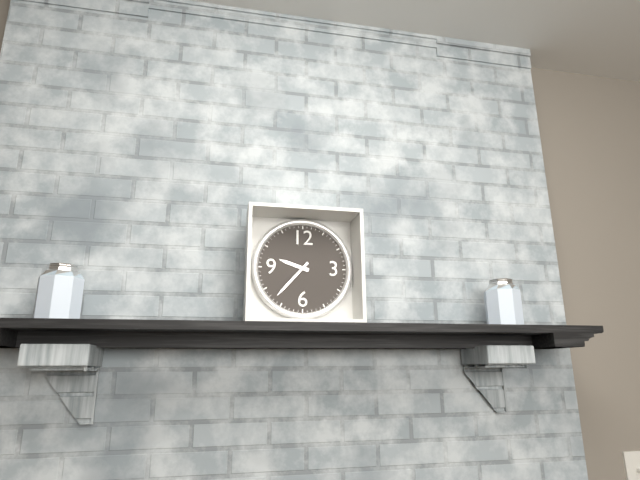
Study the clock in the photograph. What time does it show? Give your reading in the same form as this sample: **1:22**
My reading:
**9:37**
